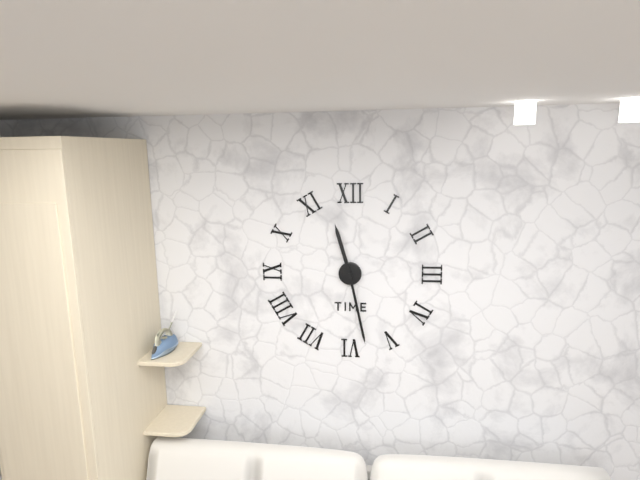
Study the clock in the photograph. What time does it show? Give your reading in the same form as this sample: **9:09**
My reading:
**11:28**
